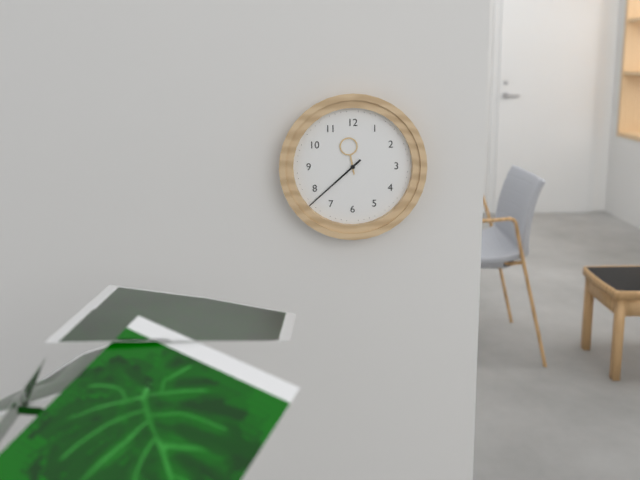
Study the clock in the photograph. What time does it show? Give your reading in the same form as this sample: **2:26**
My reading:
**11:38**
